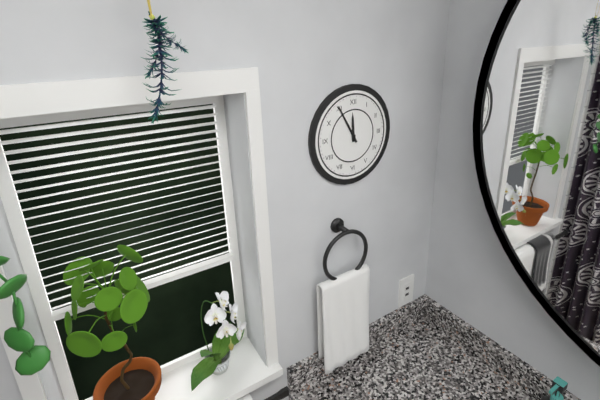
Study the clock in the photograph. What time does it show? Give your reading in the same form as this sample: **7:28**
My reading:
**11:55**
